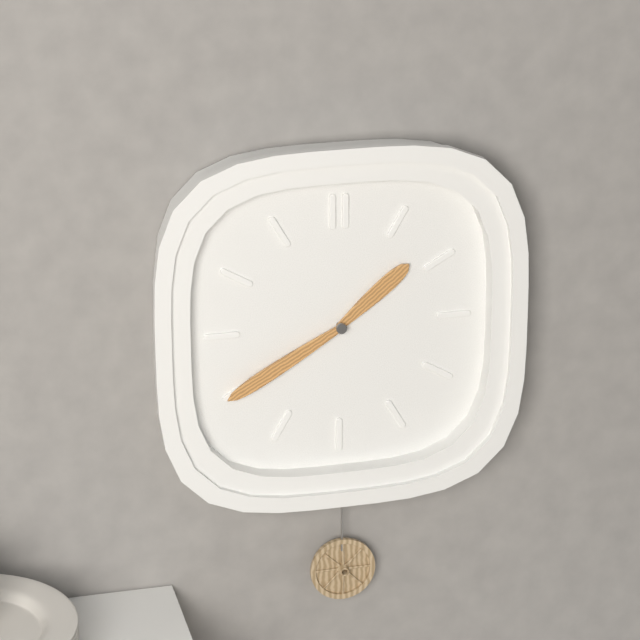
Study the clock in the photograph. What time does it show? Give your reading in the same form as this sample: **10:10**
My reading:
**1:40**
